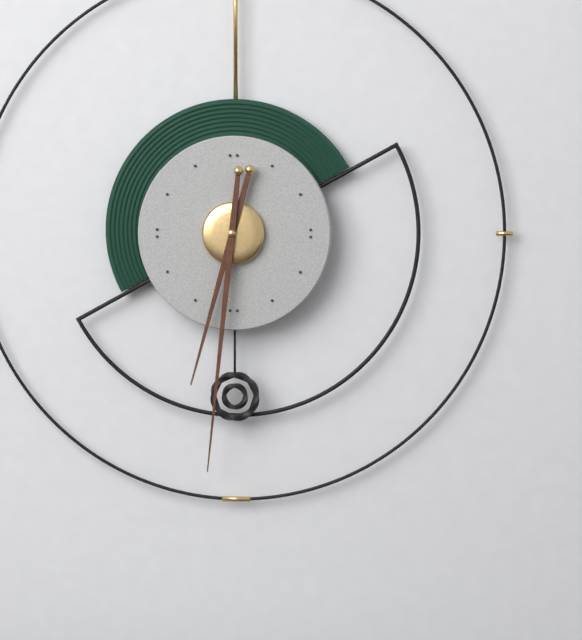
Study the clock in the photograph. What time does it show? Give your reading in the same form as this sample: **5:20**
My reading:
**6:31**
